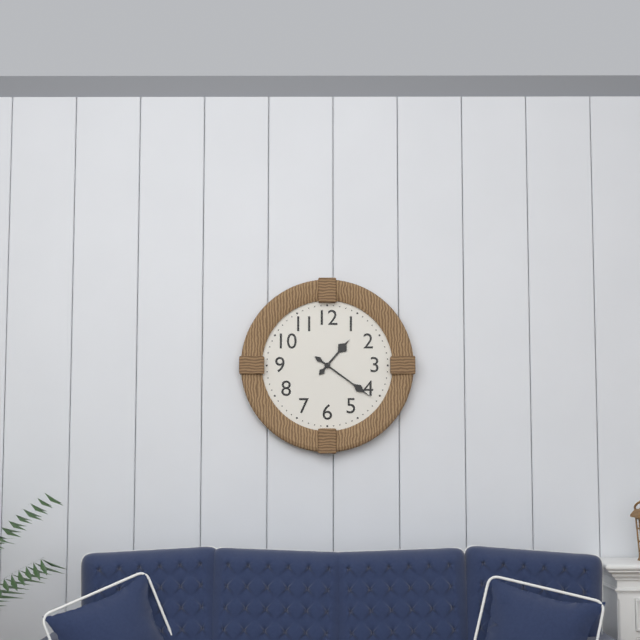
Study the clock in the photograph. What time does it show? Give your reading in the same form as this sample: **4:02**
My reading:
**1:21**
